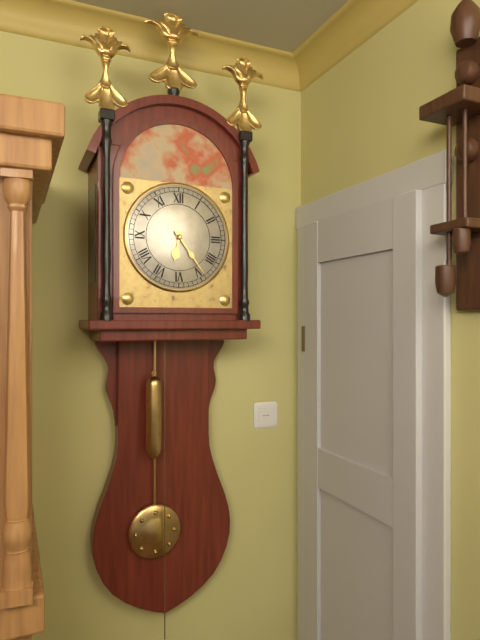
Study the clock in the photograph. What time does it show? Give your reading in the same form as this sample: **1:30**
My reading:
**6:24**
